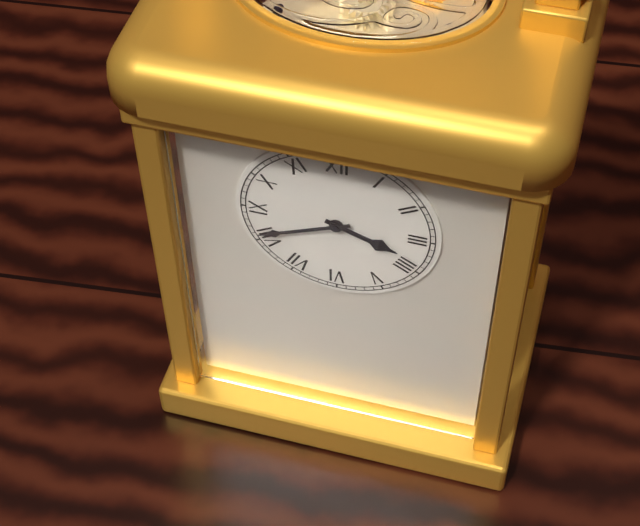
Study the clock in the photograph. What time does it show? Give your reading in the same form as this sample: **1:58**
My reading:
**3:41**
